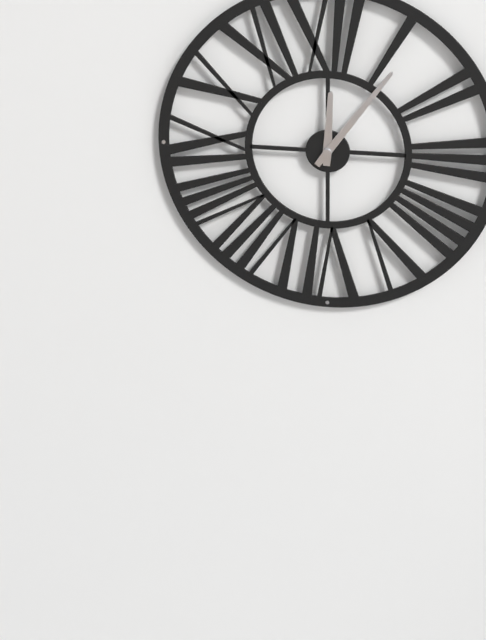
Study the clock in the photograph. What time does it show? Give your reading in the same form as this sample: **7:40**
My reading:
**12:06**
